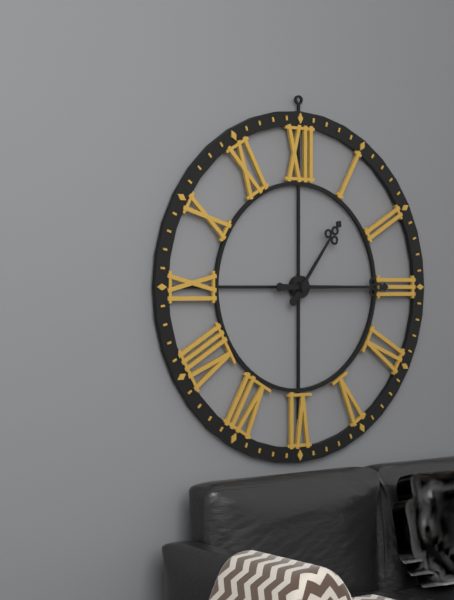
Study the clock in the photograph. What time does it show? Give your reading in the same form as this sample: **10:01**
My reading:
**1:15**
